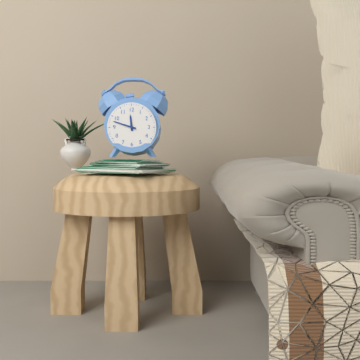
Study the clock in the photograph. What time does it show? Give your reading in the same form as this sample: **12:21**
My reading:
**11:48**
